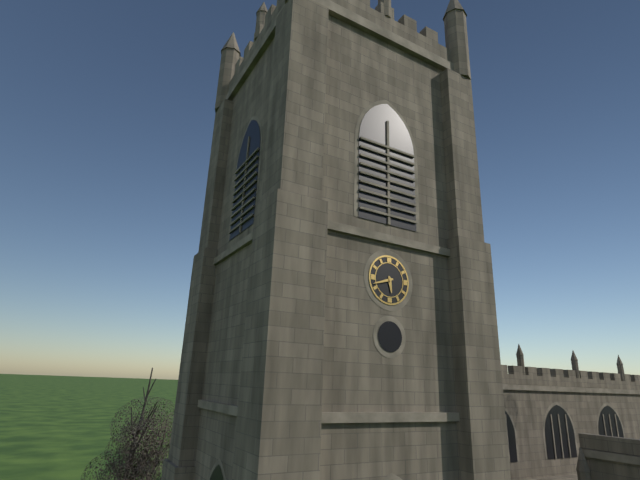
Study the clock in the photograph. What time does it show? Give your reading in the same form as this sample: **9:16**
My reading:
**5:42**
